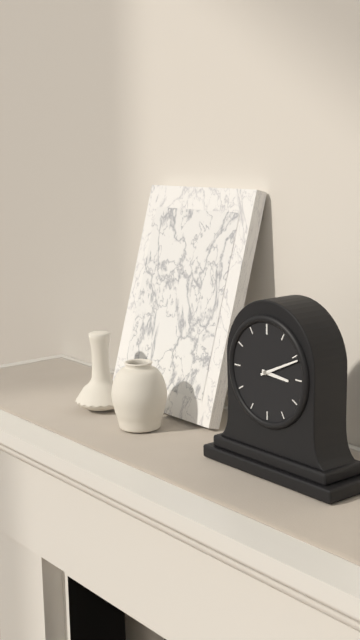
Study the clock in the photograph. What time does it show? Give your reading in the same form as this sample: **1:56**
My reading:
**3:11**
